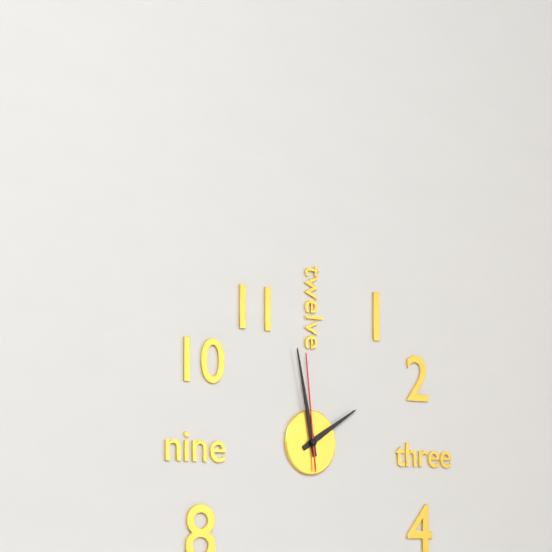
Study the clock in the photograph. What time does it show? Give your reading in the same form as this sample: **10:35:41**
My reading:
**1:58:59**
